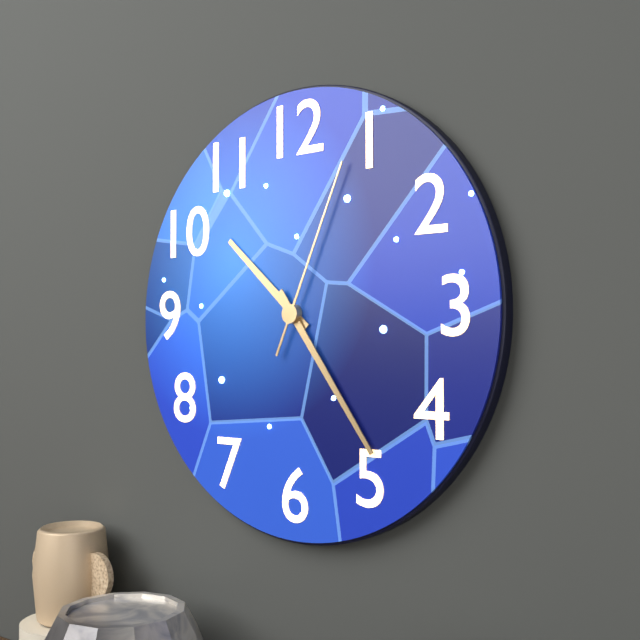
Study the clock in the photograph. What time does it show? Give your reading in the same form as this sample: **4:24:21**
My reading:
**10:24:04**
